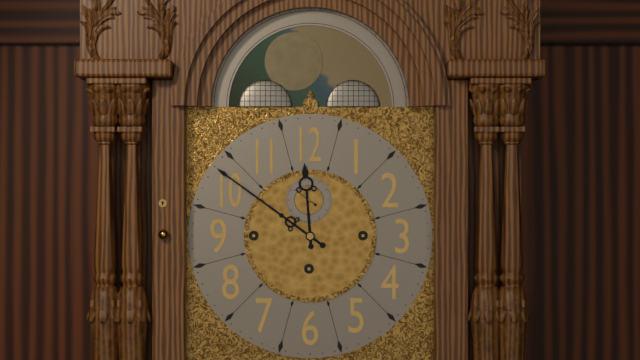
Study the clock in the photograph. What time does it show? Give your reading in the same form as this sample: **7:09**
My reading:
**11:51**
